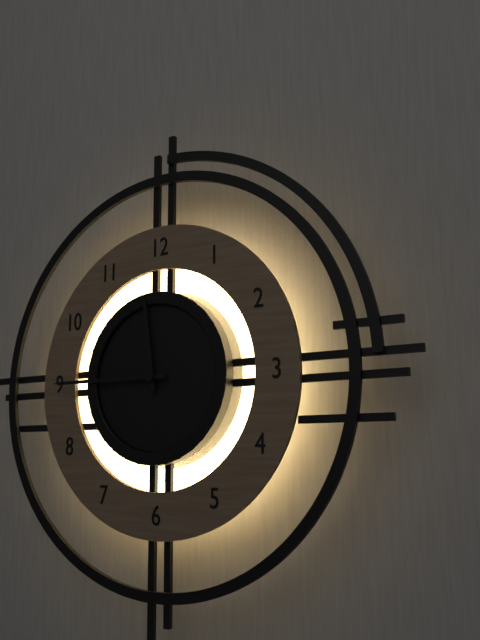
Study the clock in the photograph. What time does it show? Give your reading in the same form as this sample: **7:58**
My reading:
**11:45**
